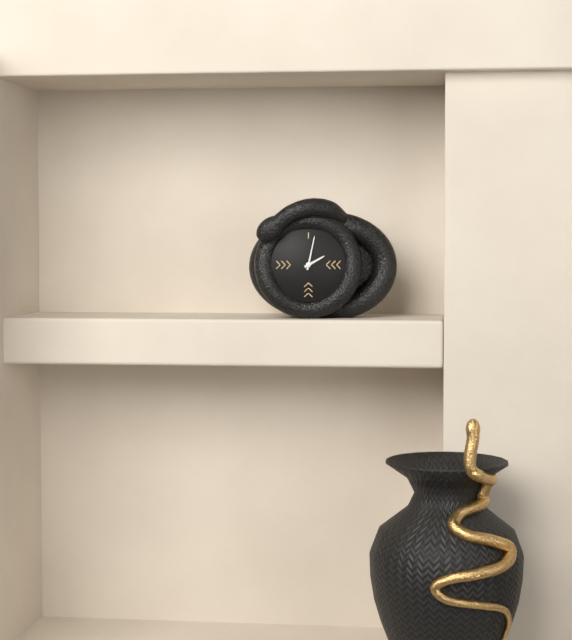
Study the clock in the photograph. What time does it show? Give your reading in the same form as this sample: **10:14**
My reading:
**2:02**
